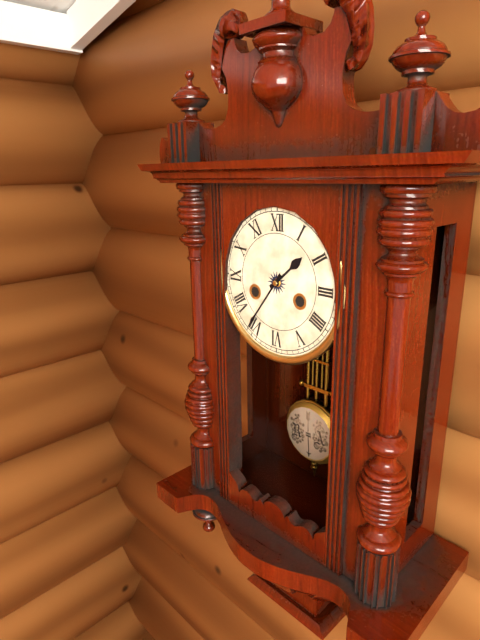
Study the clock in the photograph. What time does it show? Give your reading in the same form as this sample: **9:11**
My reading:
**1:36**
